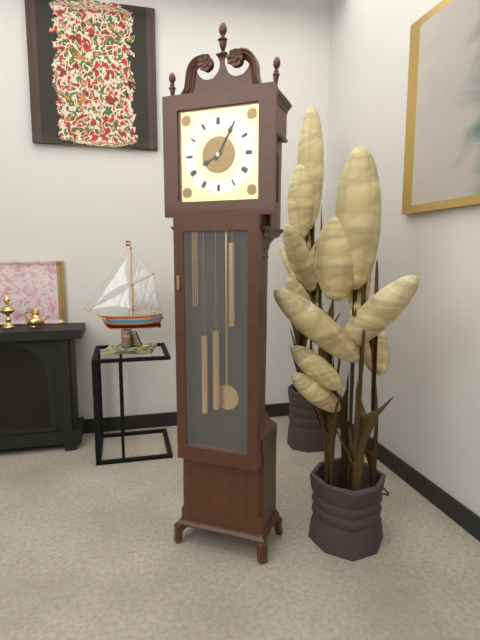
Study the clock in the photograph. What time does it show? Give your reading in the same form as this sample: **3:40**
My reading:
**8:05**
